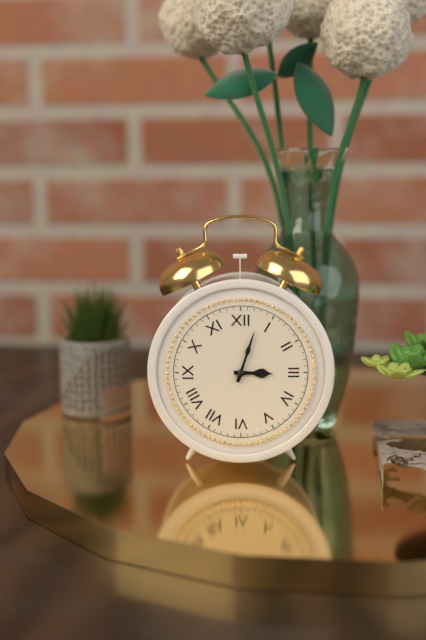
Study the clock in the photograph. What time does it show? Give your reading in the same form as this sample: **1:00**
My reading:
**3:03**
